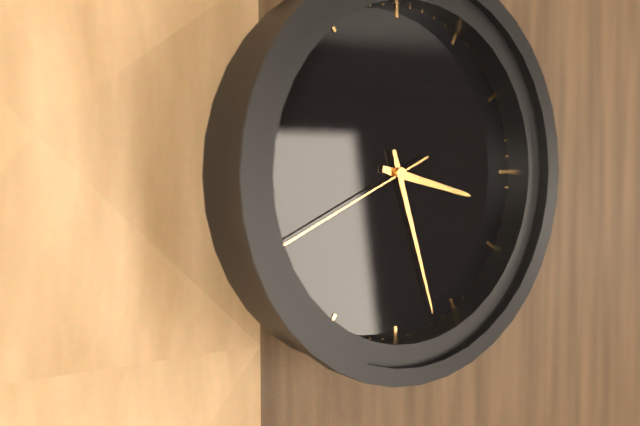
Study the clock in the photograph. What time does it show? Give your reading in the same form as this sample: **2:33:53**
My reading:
**3:27:41**
